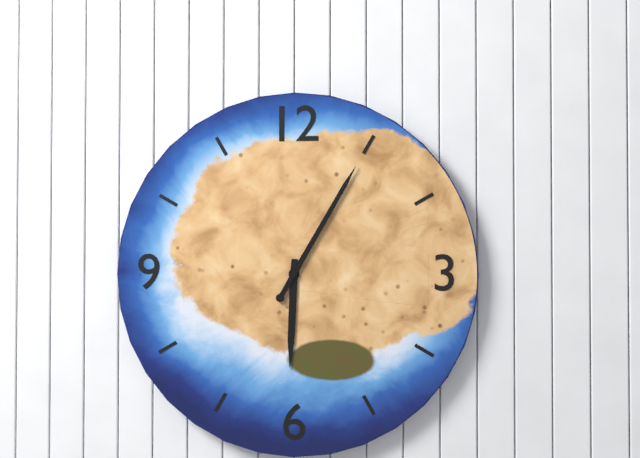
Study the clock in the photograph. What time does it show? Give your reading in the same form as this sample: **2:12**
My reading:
**6:05**
